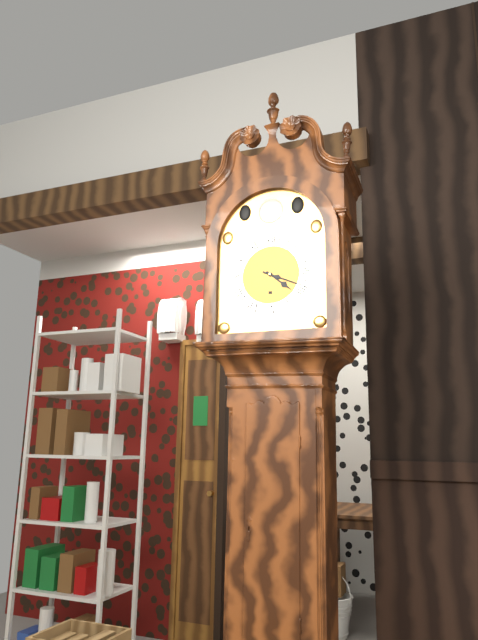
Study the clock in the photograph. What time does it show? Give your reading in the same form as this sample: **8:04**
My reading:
**4:19**
